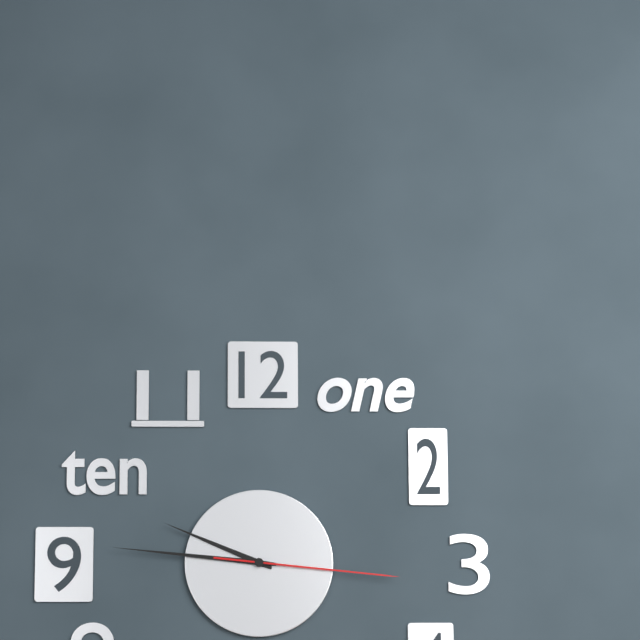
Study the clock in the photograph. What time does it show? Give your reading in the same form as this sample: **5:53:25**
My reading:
**9:46:16**
